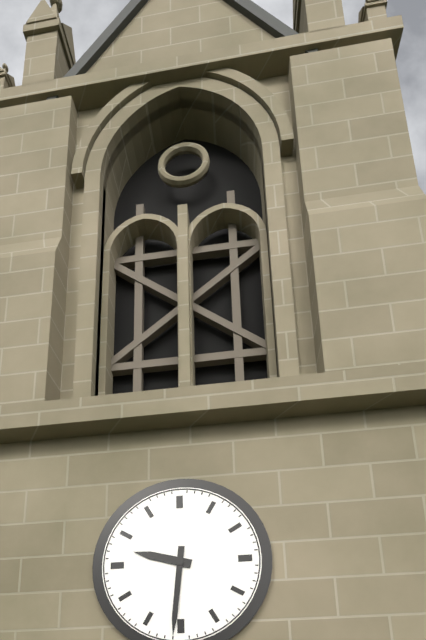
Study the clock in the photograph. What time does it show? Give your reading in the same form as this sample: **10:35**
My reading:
**9:31**
